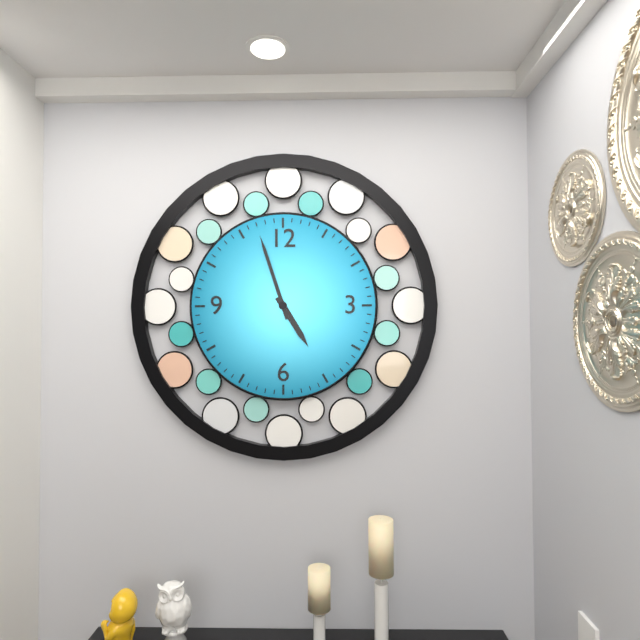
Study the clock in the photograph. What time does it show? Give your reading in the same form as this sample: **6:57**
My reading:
**4:57**
